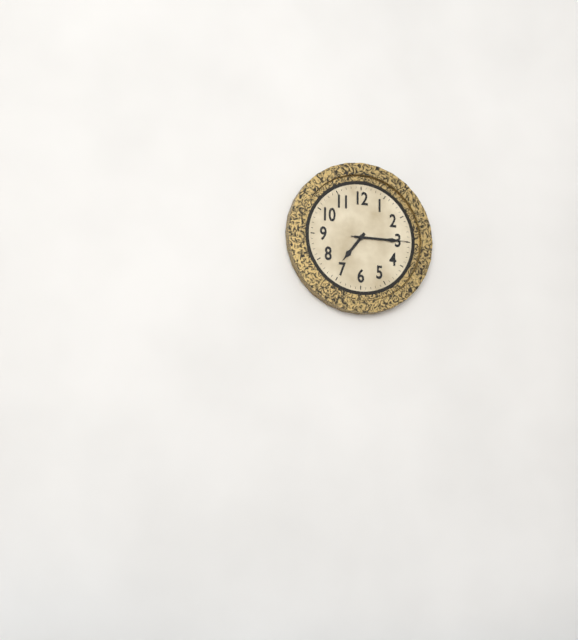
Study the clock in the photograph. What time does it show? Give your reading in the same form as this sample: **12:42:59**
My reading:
**7:15:15**
